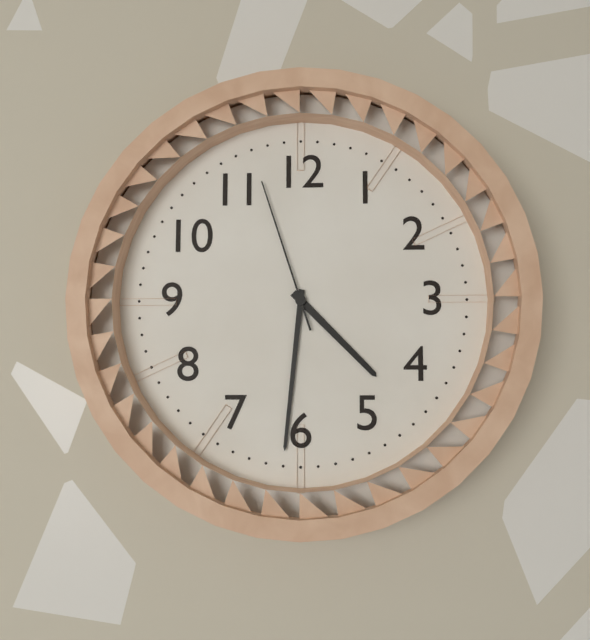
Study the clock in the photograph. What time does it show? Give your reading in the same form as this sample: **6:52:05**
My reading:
**4:31:57**
